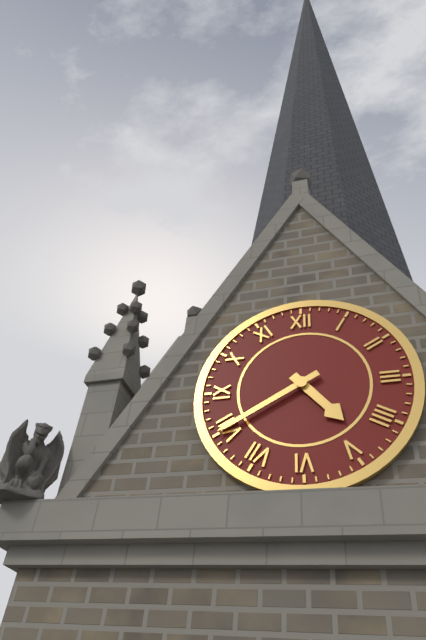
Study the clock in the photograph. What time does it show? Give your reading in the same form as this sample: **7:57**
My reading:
**4:40**
